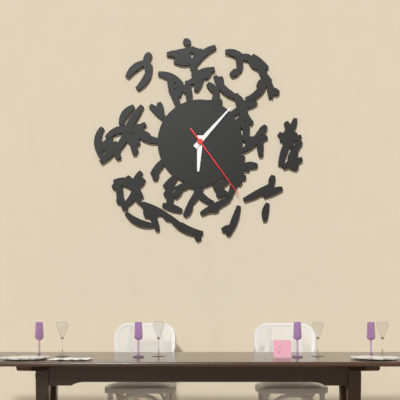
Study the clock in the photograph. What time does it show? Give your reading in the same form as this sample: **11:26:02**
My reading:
**6:07:24**
